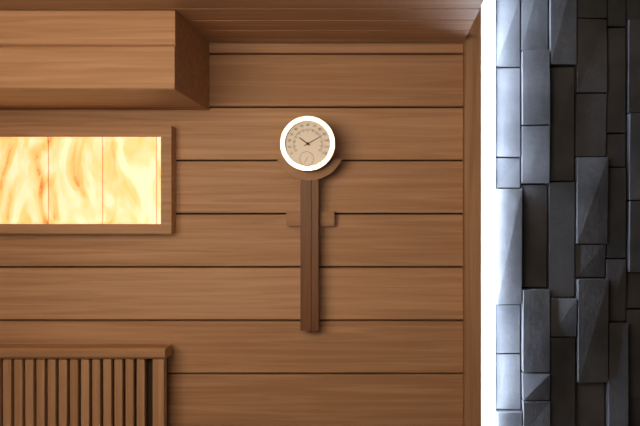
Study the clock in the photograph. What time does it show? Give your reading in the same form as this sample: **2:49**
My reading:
**10:10**
